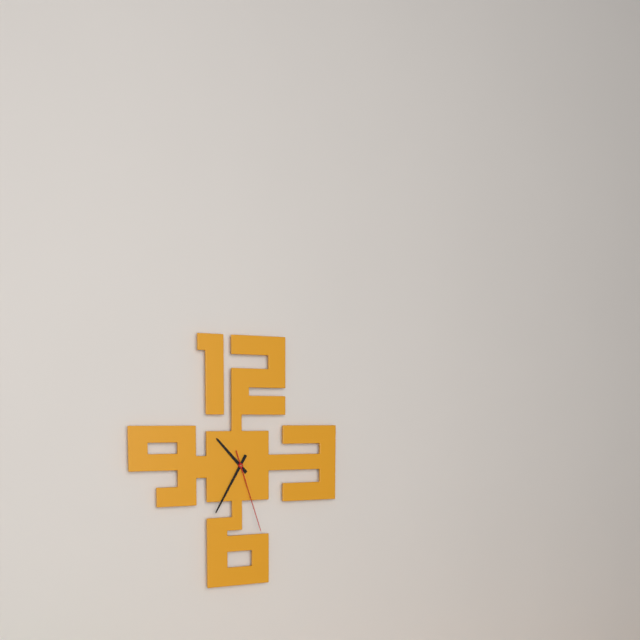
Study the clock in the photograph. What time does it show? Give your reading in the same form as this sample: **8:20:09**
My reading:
**10:35:27**
